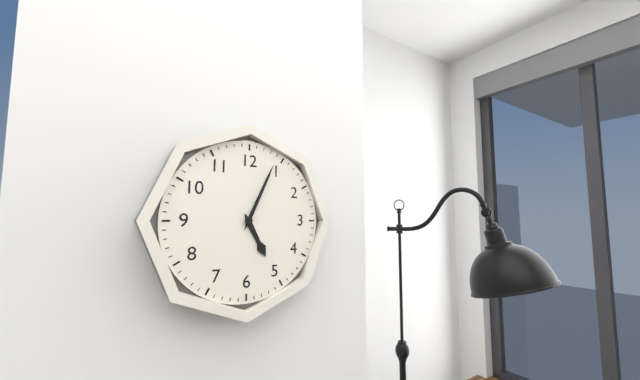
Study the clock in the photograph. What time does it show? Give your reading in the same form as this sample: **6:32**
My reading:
**5:04**
